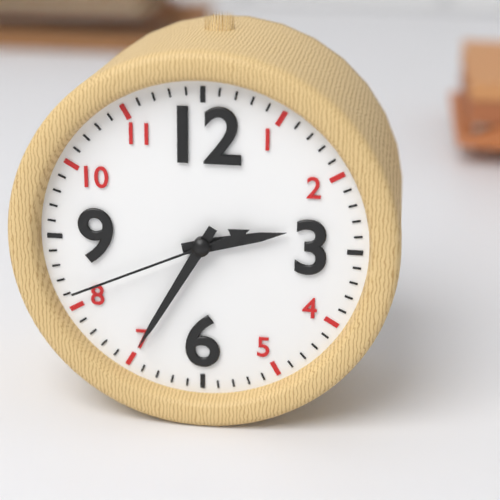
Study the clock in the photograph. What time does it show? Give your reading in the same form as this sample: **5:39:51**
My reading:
**2:35:41**
